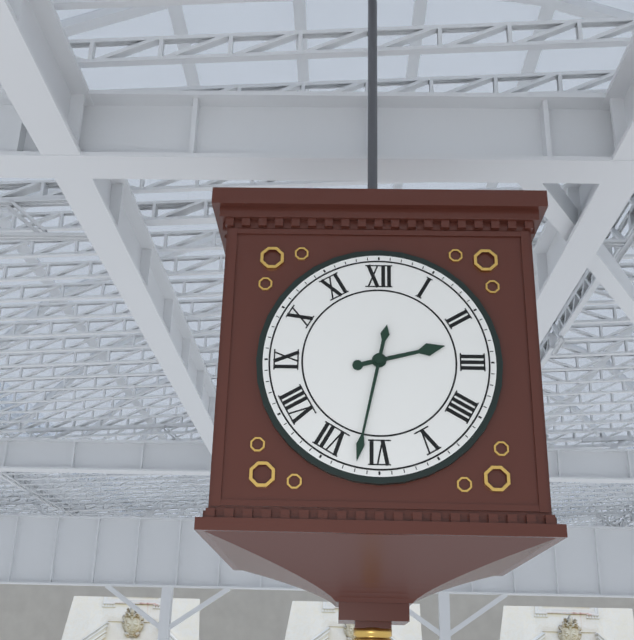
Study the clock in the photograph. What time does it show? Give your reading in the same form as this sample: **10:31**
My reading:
**2:32**
